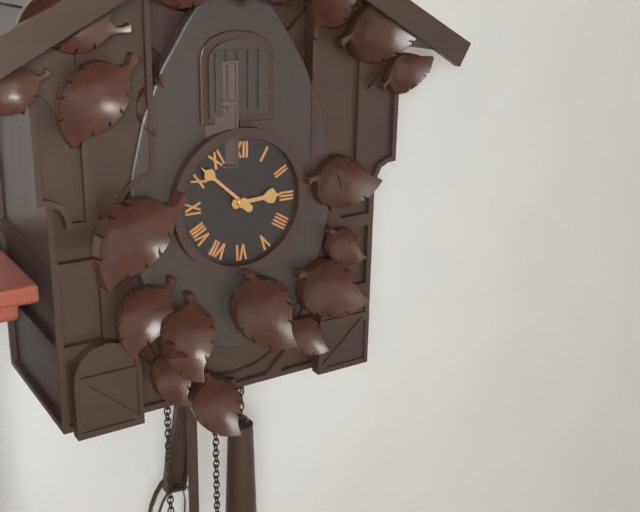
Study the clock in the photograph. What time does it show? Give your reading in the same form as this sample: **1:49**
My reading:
**2:52**
